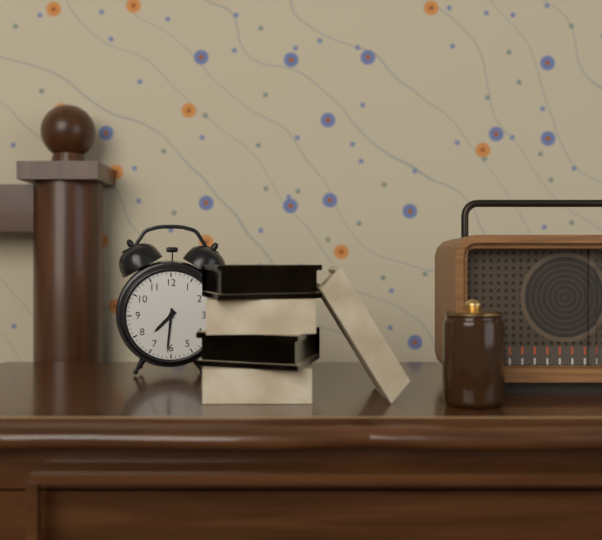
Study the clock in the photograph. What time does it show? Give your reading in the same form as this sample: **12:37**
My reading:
**7:31**
